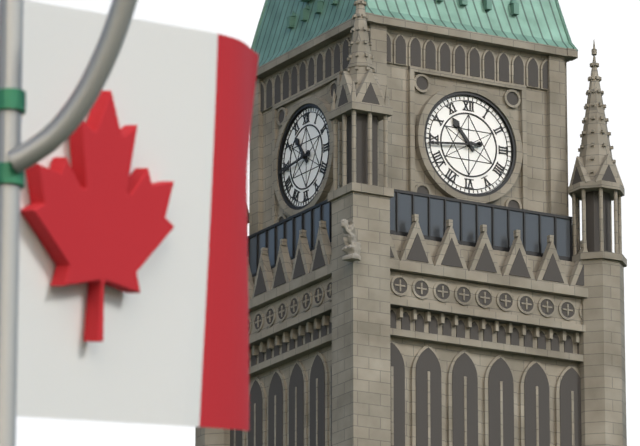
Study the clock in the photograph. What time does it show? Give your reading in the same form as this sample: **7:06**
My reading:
**10:44**
